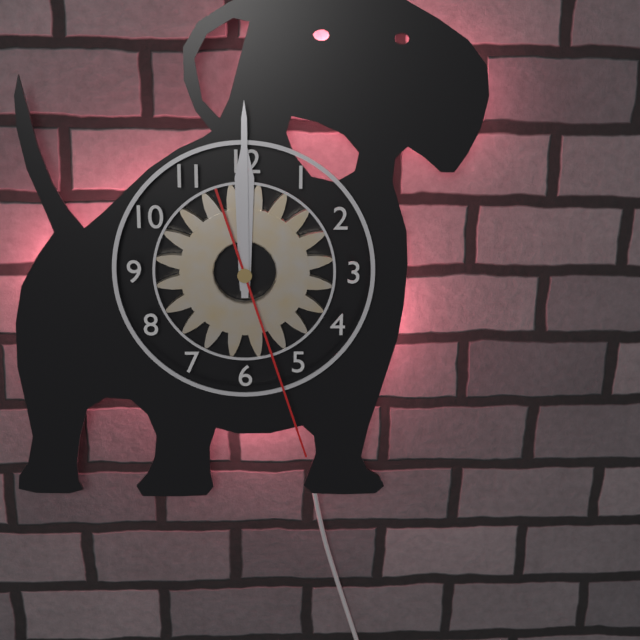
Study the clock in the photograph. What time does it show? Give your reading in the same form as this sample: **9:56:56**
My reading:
**12:00:27**
